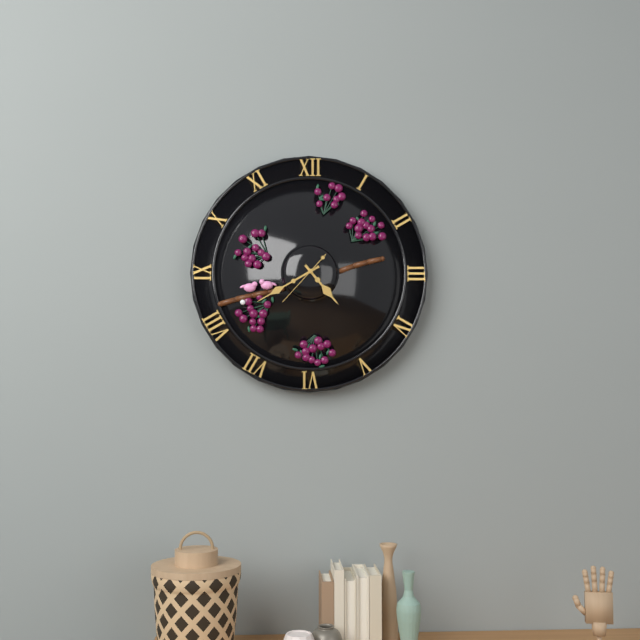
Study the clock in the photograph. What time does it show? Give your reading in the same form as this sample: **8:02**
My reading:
**4:40**
